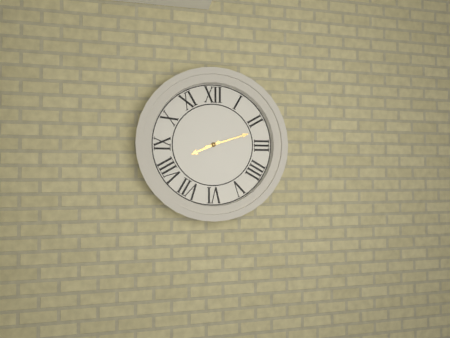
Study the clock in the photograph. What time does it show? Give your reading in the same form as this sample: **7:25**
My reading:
**8:12**
